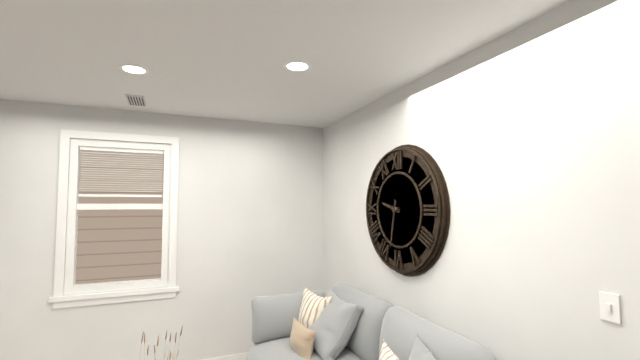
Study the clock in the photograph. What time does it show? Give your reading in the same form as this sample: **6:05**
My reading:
**9:32**
